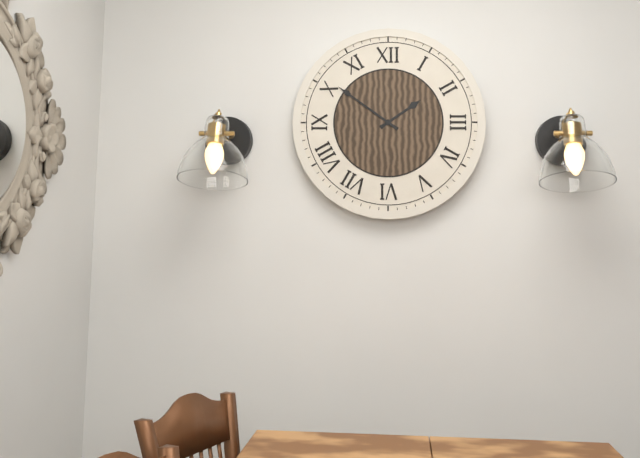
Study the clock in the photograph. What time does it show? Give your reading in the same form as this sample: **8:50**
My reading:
**1:51**
